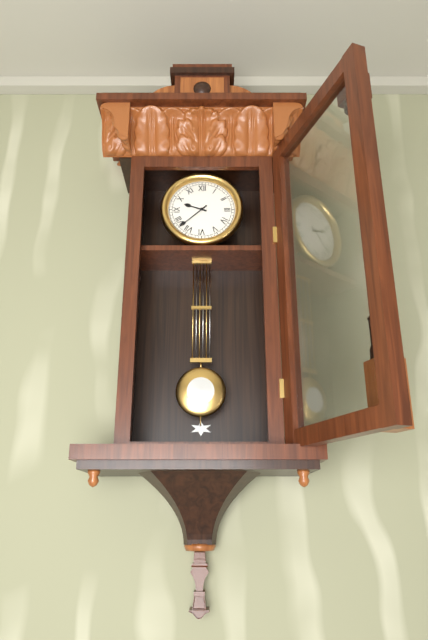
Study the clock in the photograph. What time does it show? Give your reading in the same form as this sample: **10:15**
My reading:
**9:38**
